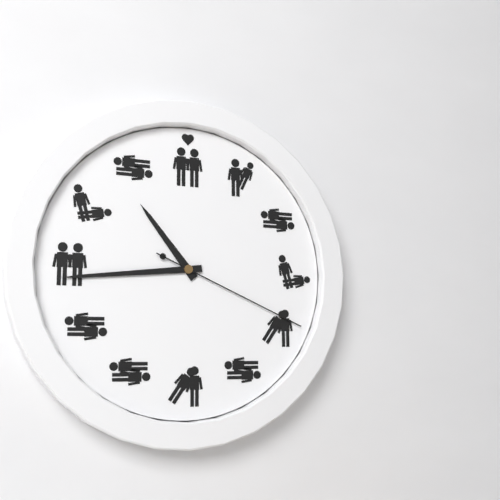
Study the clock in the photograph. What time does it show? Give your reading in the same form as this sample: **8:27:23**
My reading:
**10:44:19**
